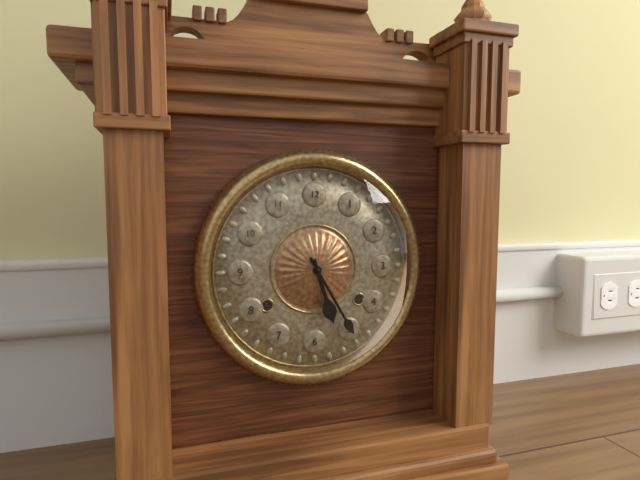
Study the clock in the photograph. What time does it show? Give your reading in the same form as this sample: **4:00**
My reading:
**5:25**
